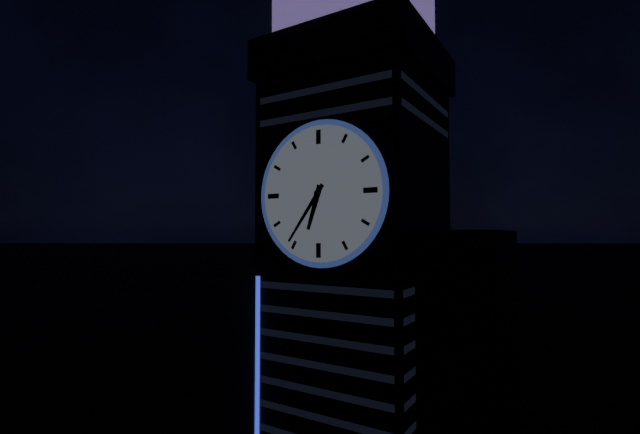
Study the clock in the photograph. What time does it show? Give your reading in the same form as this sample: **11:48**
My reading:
**6:36**
